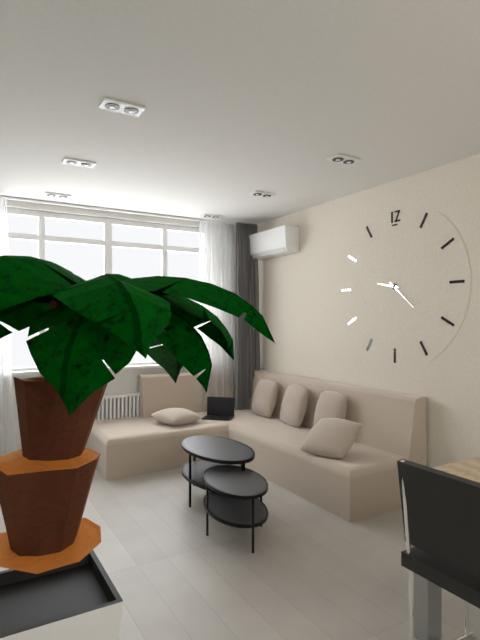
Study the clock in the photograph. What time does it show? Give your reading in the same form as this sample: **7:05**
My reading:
**9:22**
